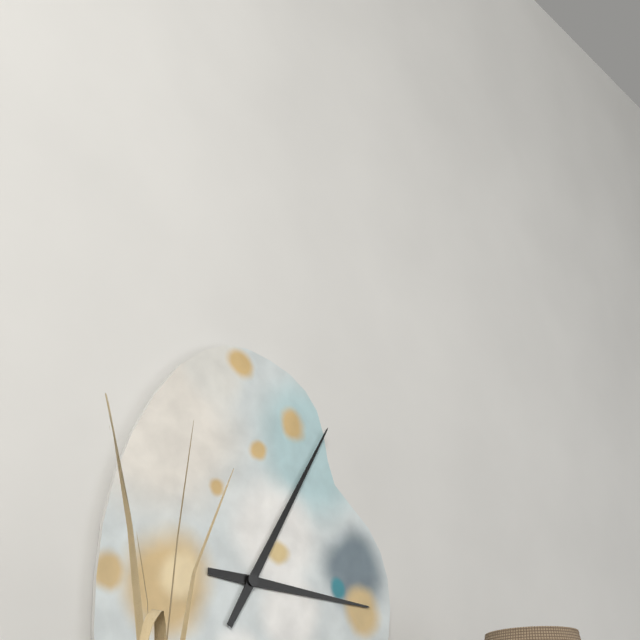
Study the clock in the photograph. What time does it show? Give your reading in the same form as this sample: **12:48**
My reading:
**3:05**
